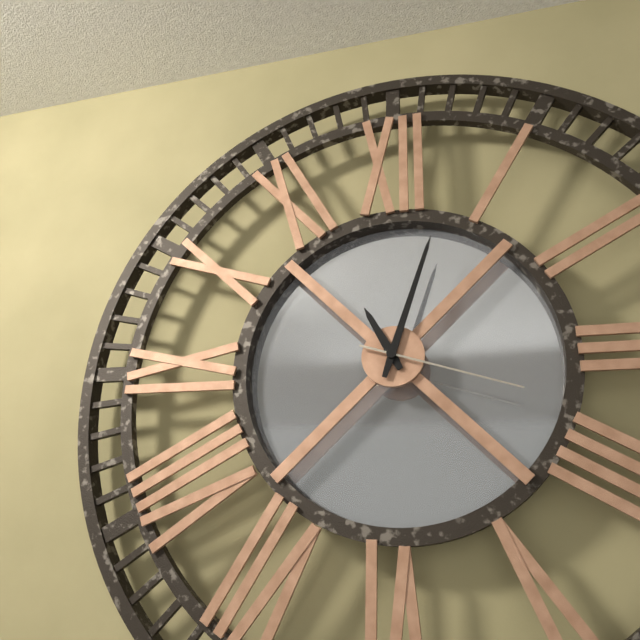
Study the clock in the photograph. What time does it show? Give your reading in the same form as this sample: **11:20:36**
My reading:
**11:03:18**
